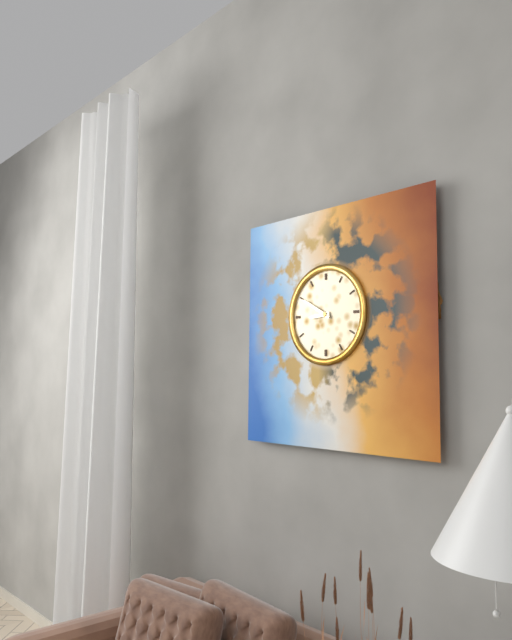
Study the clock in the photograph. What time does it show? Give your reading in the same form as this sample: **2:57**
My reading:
**8:50**
